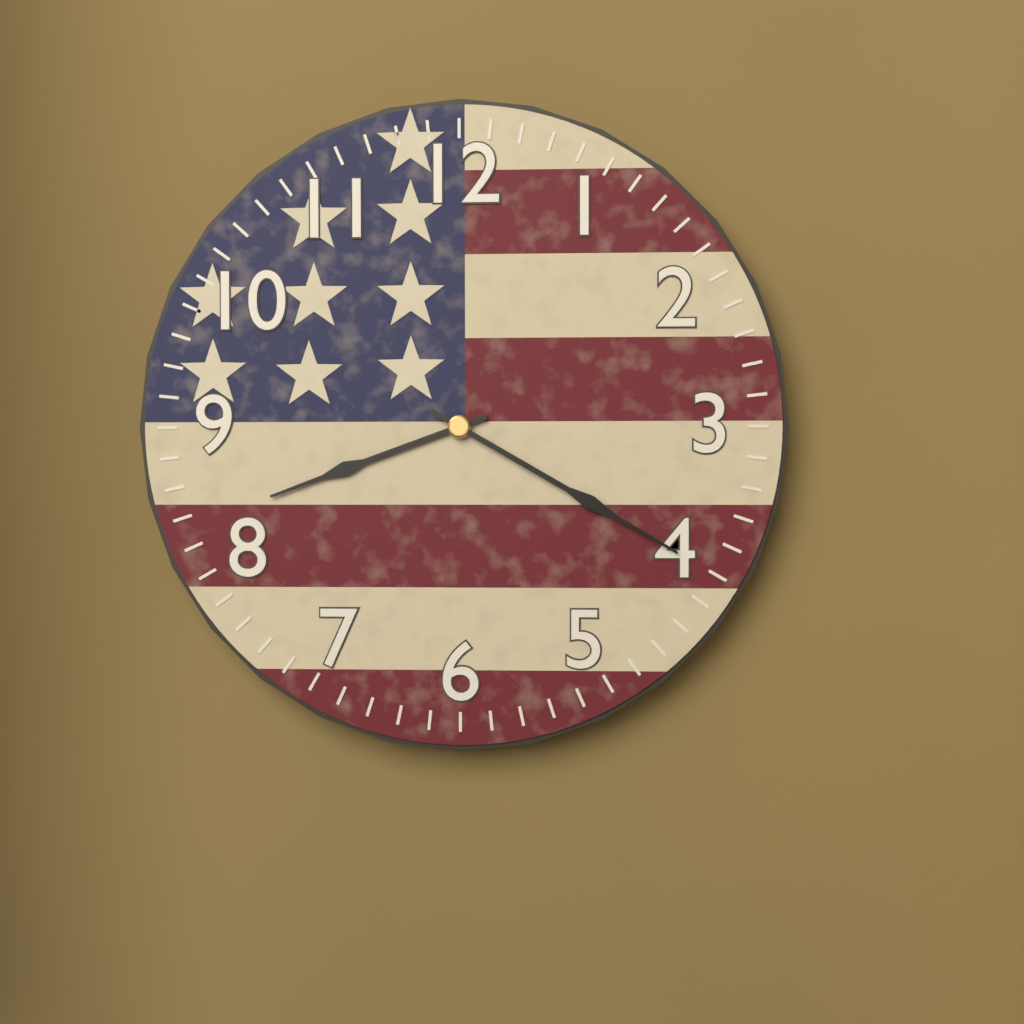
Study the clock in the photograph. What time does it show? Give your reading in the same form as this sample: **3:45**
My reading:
**8:20**
